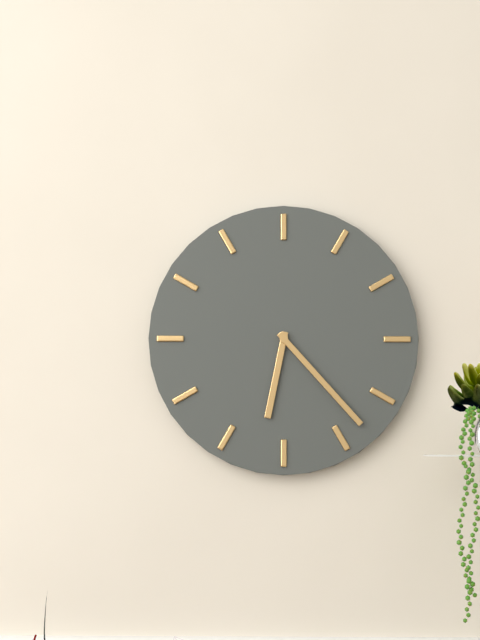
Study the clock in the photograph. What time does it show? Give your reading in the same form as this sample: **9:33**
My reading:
**6:23**
